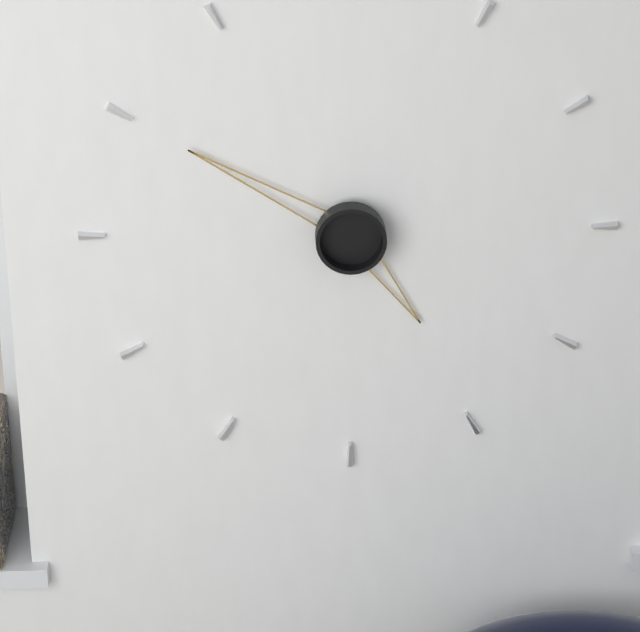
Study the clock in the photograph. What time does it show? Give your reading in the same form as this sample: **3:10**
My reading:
**4:50**
